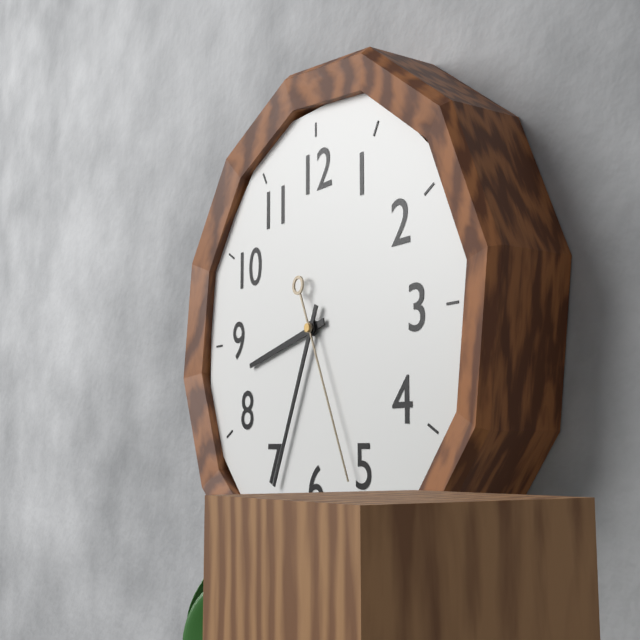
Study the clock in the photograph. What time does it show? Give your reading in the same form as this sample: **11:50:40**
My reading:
**8:34:26**
